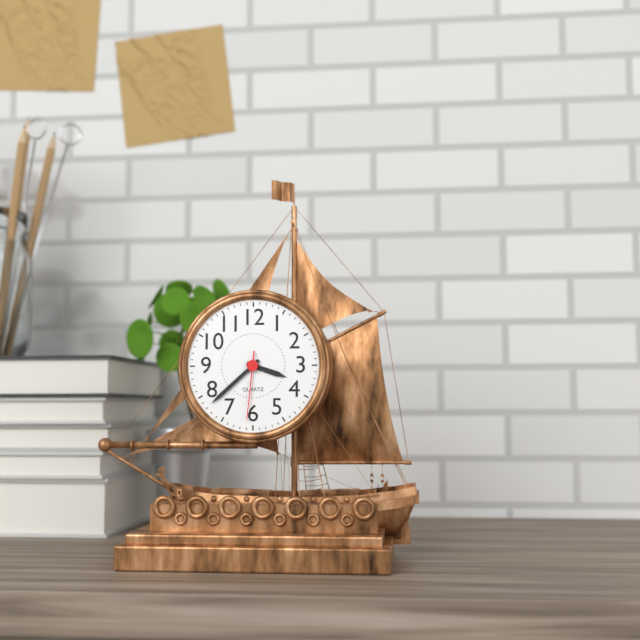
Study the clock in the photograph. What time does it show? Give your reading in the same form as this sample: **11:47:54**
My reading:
**3:38:31**
